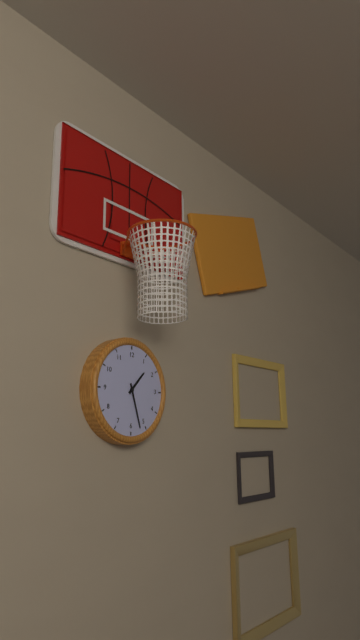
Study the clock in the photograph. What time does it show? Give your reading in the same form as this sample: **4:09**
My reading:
**1:27**
